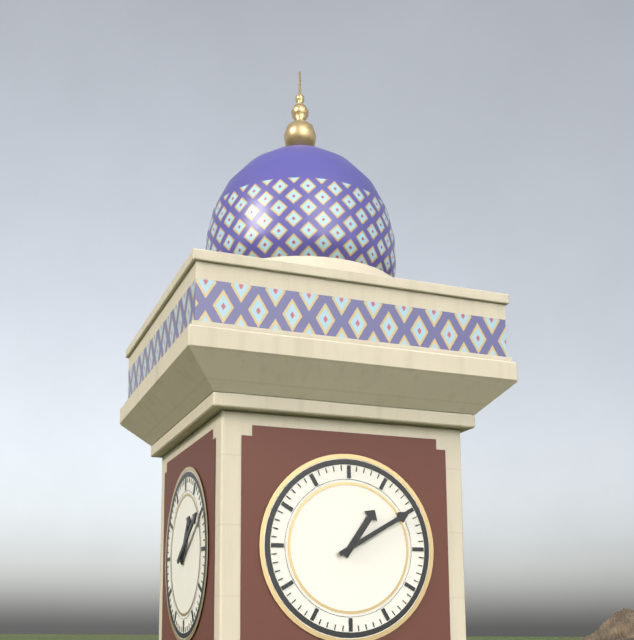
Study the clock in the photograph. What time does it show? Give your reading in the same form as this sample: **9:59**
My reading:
**1:10**
